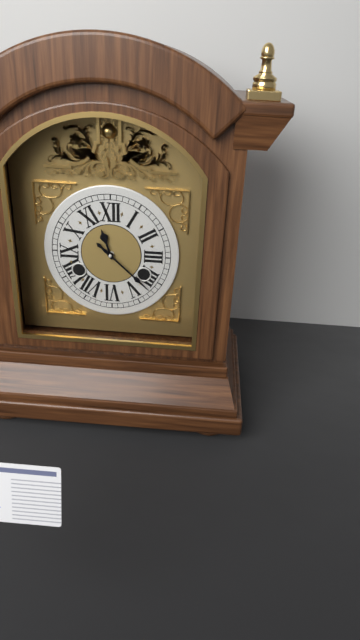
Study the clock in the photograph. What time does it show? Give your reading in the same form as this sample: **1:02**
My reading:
**11:22**
